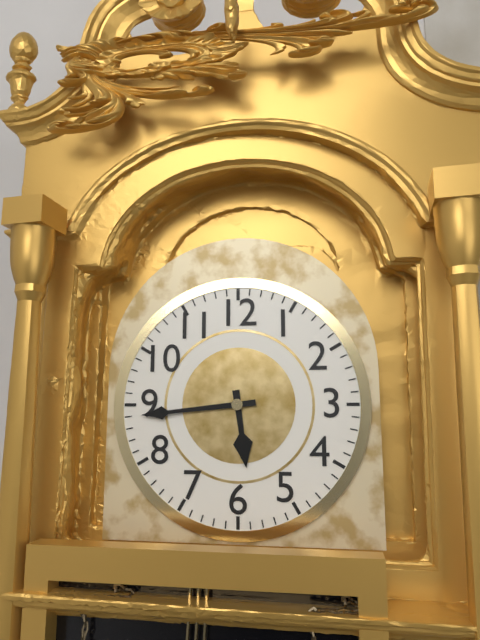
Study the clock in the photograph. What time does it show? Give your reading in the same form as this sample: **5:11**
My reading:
**5:44**
